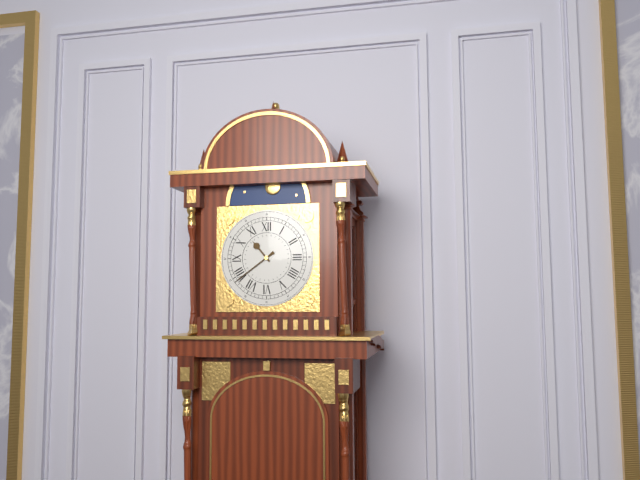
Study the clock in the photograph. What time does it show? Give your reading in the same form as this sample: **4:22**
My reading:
**10:39**
